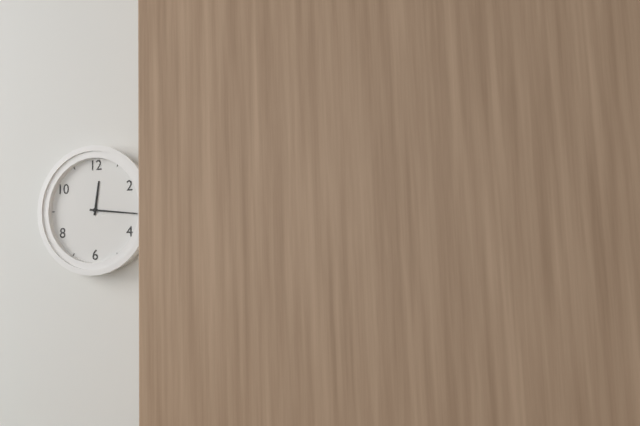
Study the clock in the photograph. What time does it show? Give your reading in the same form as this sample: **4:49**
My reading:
**12:16**
